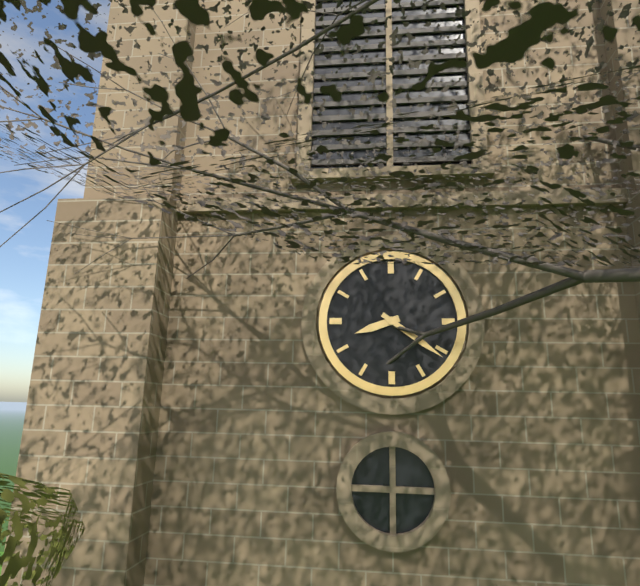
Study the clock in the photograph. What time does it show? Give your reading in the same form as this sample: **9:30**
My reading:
**8:21**
